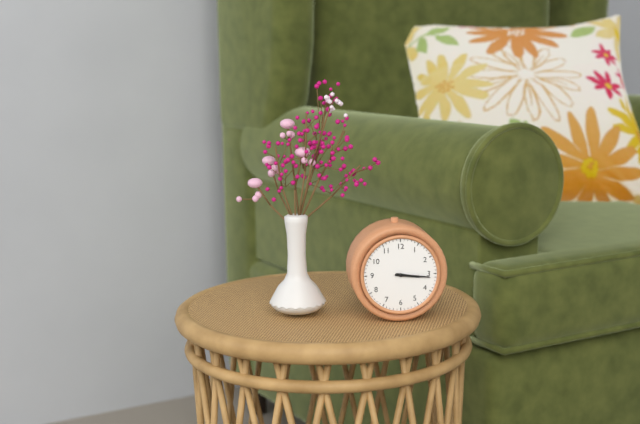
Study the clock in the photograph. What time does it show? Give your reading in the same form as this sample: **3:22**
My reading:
**3:16**
